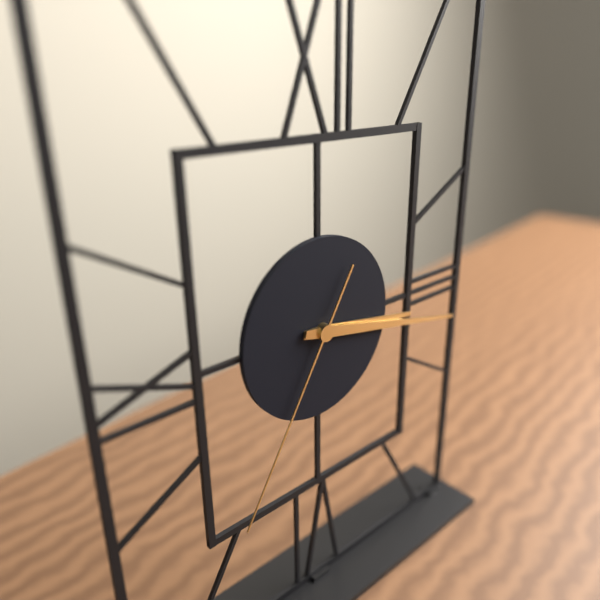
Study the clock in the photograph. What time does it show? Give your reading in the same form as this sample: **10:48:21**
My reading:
**3:17:35**
